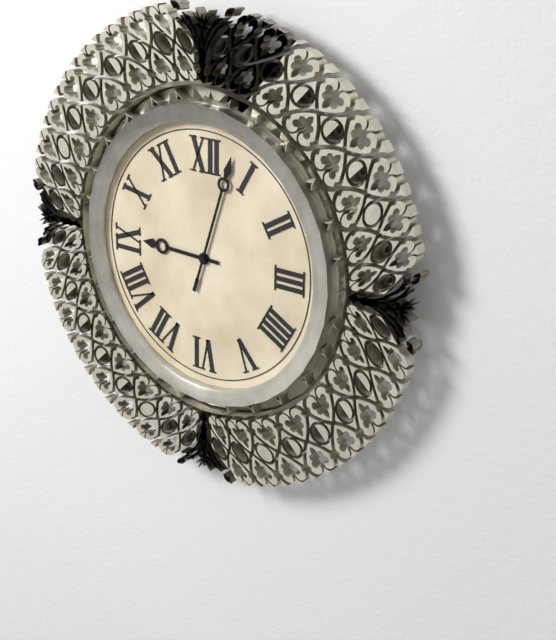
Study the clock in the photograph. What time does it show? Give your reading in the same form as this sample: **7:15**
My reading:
**9:03**
